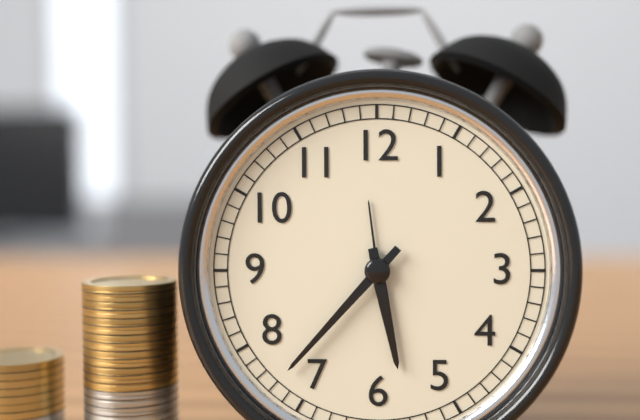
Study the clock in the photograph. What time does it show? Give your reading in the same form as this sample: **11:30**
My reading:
**5:37**
